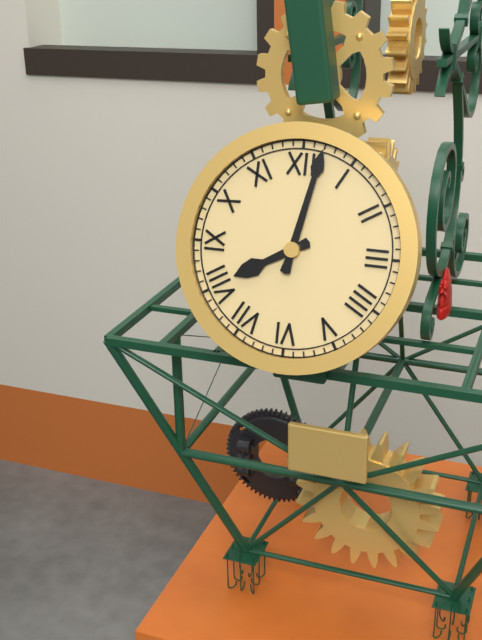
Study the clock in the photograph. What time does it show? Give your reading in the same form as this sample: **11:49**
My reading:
**8:02**
